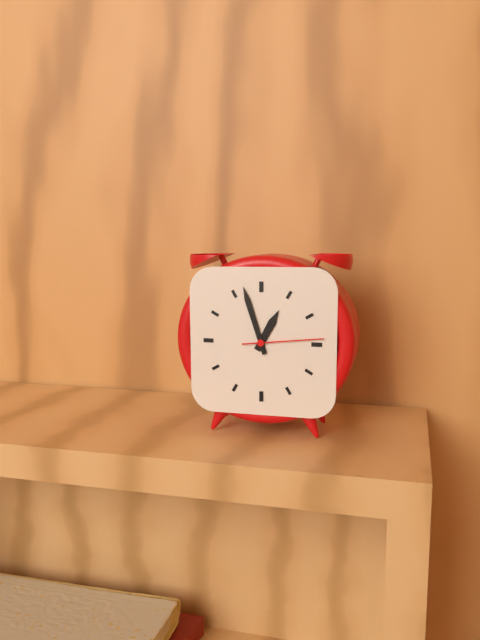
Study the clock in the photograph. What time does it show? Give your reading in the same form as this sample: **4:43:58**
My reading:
**12:57:14**
